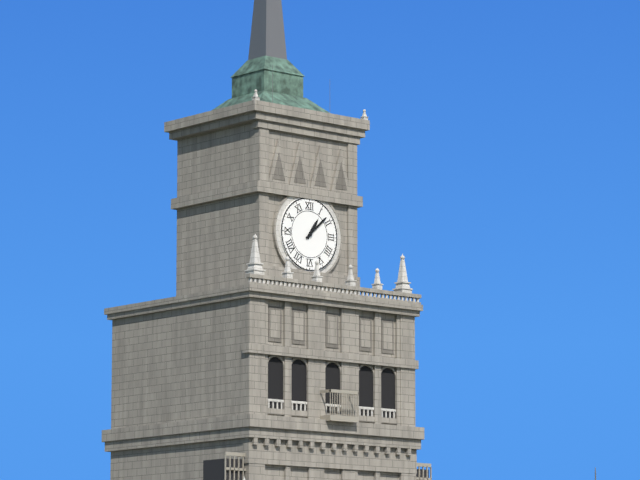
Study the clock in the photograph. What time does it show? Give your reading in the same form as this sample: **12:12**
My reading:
**1:08**
